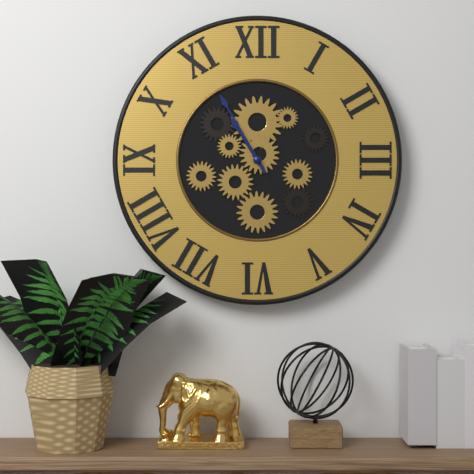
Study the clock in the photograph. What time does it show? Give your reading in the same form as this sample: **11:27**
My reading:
**10:55**
